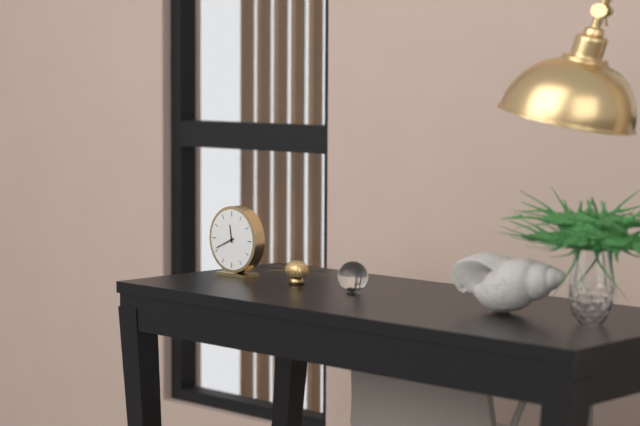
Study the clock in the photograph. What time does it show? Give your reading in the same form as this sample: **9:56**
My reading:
**11:41**
